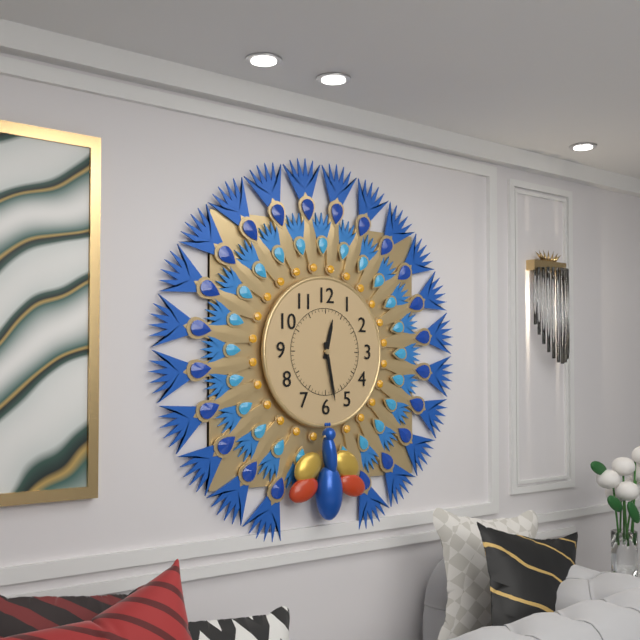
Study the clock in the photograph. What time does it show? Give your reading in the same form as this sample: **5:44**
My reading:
**12:28**
